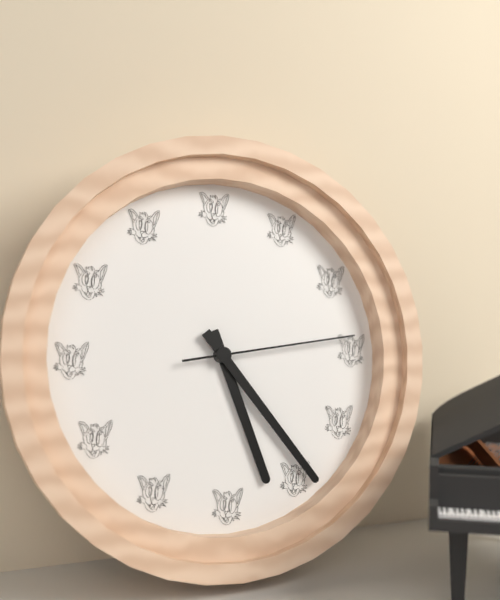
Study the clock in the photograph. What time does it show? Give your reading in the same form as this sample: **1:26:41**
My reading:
**5:24:14**
